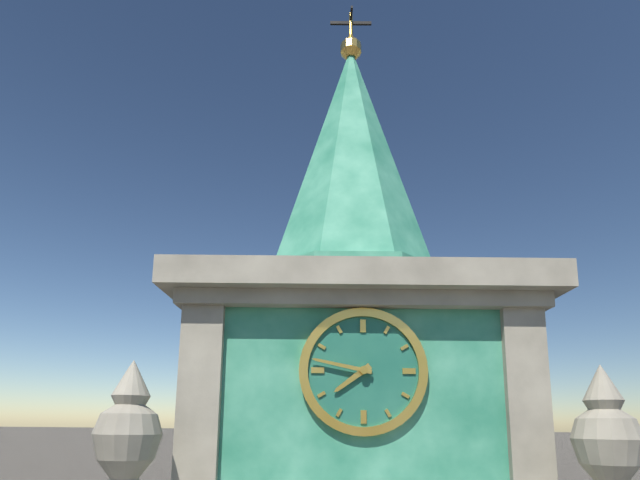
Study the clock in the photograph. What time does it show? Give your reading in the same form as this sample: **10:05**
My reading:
**7:47**
